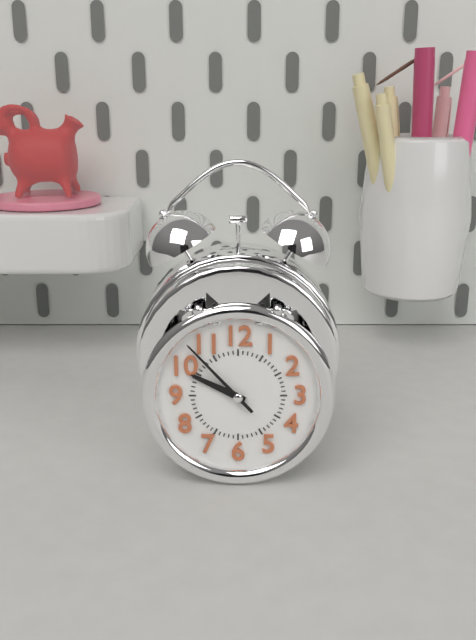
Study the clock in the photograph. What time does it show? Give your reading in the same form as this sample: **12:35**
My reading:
**9:53**
